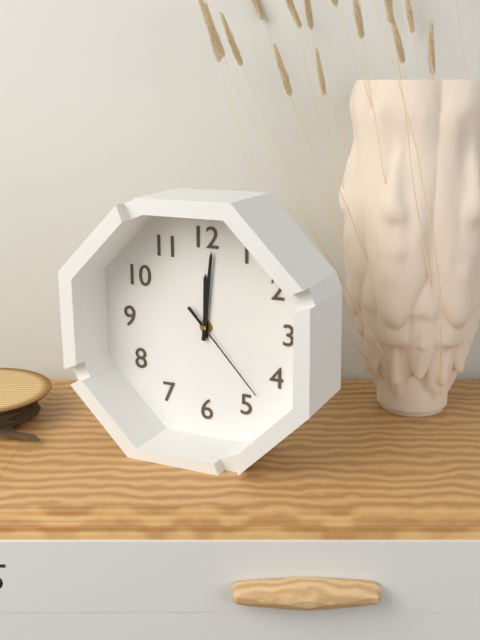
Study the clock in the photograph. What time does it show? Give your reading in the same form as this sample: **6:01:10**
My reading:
**12:01:23**
